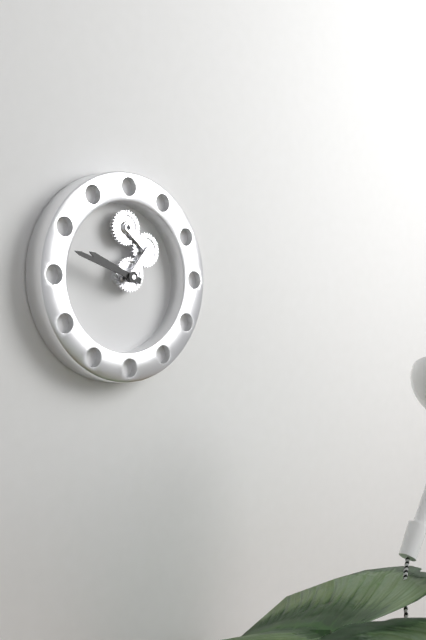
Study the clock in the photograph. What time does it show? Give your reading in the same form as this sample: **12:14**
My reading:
**9:48**
